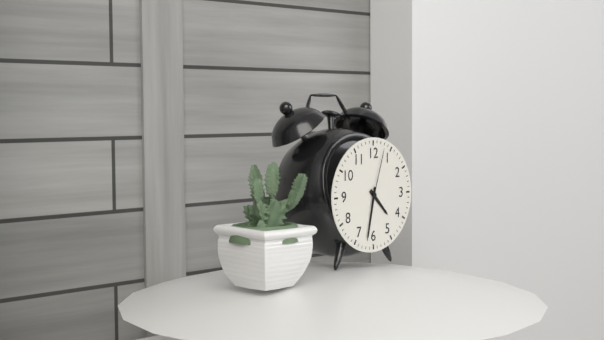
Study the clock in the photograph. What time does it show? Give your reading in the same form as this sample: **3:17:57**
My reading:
**4:32:03**
